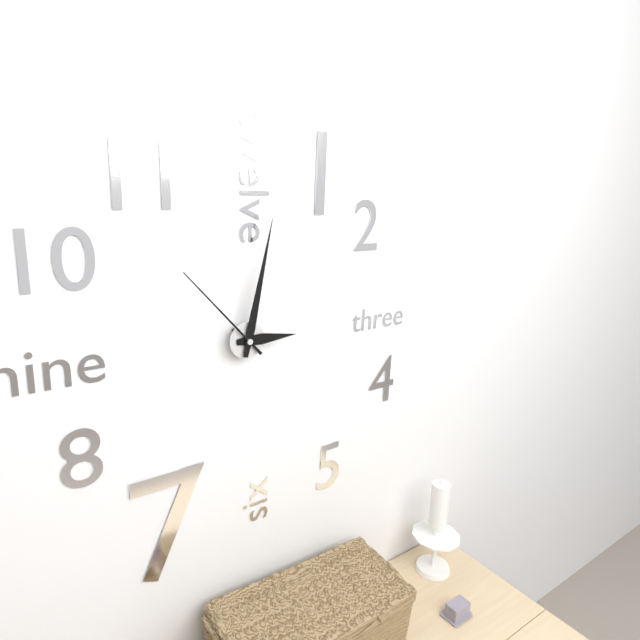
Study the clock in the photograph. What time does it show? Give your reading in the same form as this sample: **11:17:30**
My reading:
**3:02:53**
